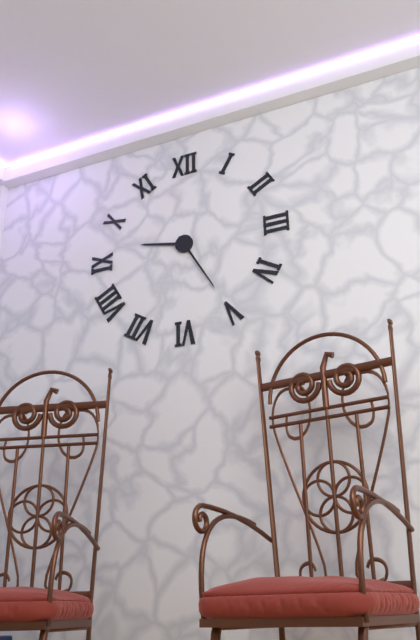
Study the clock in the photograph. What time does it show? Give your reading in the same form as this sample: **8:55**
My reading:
**9:25**
